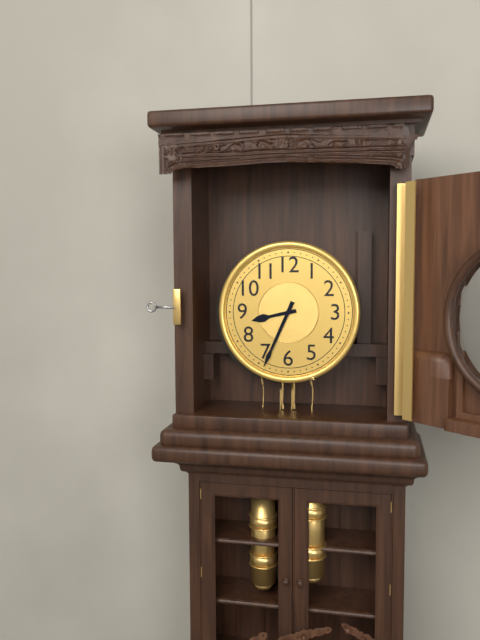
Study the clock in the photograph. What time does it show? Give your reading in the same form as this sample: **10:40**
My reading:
**8:34**
